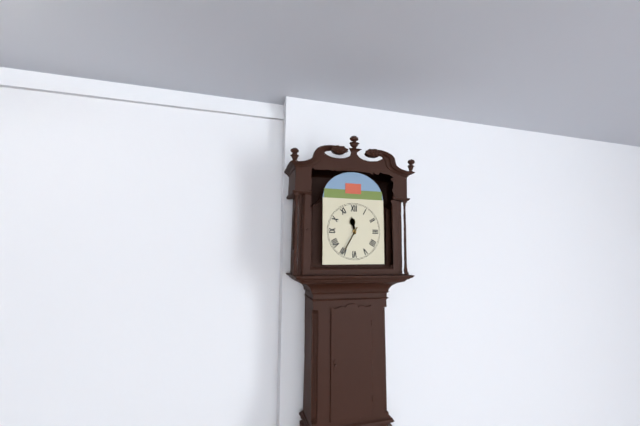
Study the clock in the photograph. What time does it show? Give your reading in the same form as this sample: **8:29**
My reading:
**11:35**
